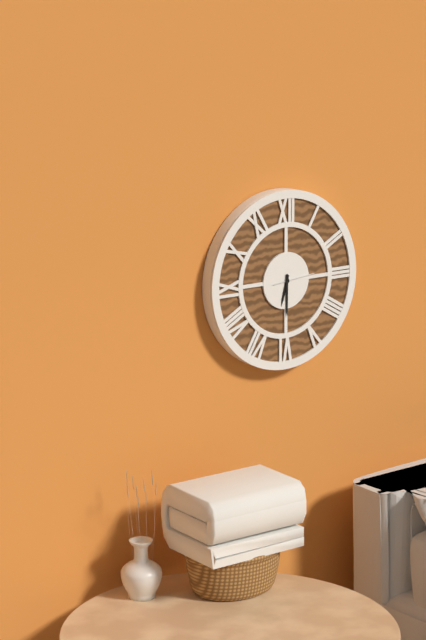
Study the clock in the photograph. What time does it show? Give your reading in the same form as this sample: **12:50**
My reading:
**6:30**
